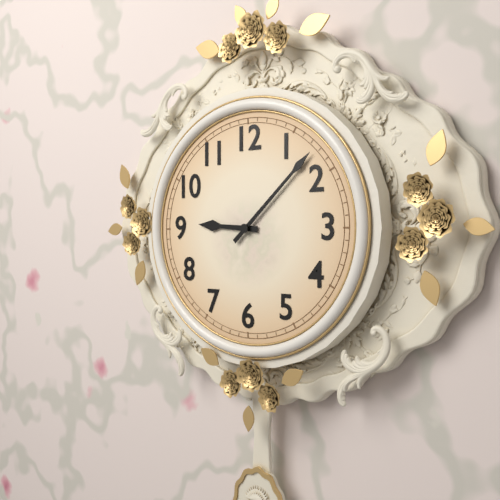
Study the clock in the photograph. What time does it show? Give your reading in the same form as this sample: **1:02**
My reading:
**9:08**
